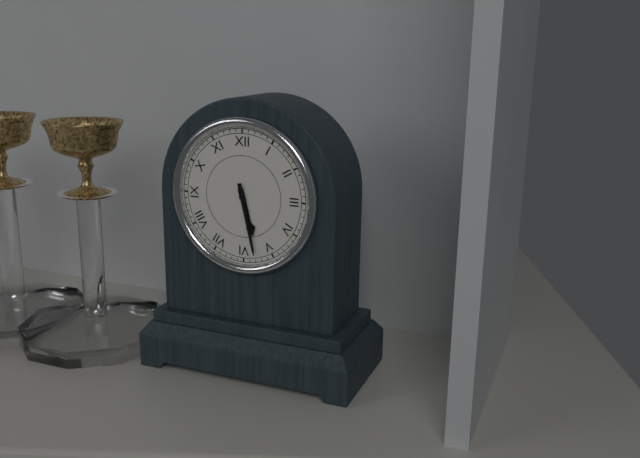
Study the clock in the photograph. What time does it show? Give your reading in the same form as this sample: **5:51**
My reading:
**5:28**
